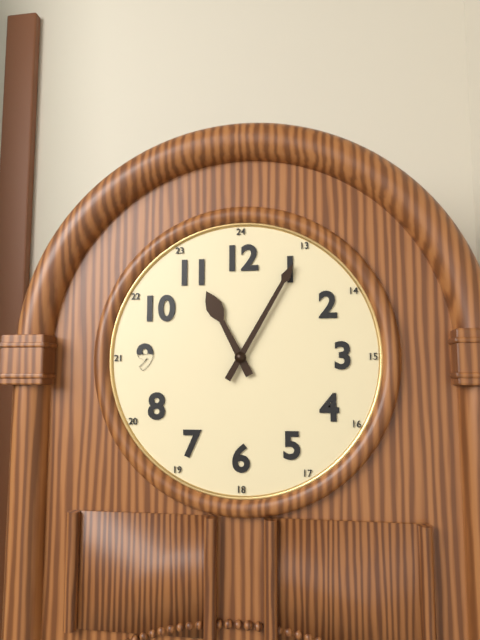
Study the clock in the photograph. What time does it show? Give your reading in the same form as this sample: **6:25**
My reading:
**11:05**
